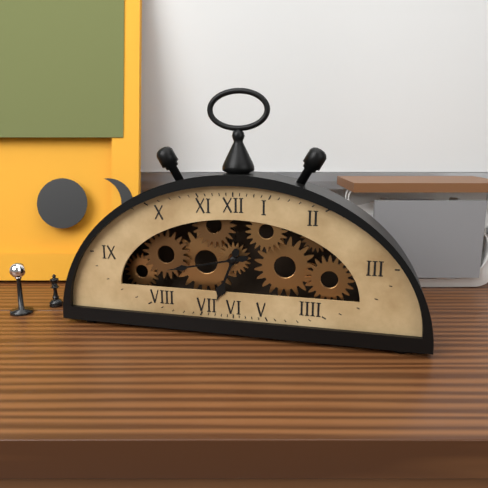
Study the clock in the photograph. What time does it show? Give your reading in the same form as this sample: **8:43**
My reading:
**6:43**
